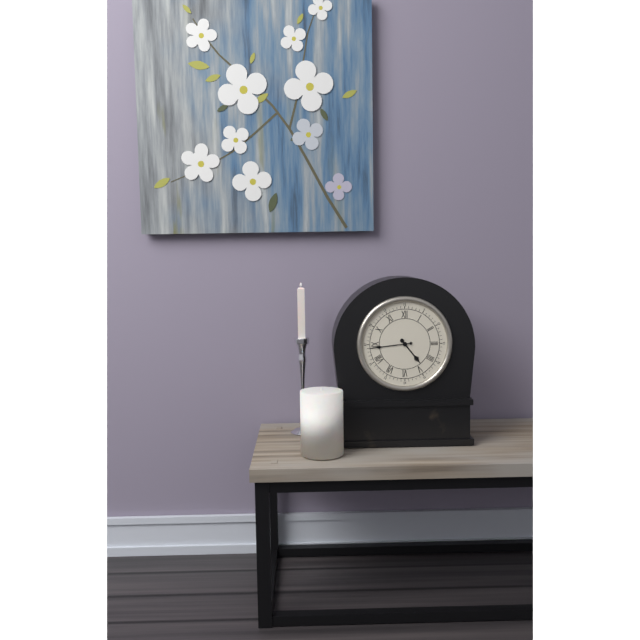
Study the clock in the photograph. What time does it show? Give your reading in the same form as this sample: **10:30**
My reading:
**4:44**
